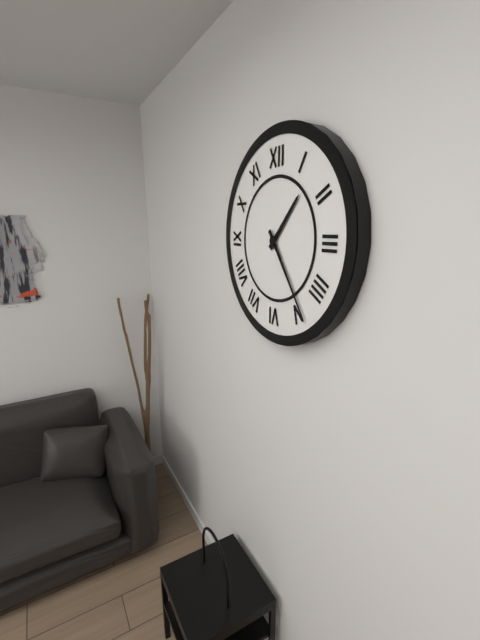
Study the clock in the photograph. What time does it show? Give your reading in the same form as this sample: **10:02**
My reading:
**1:24**
